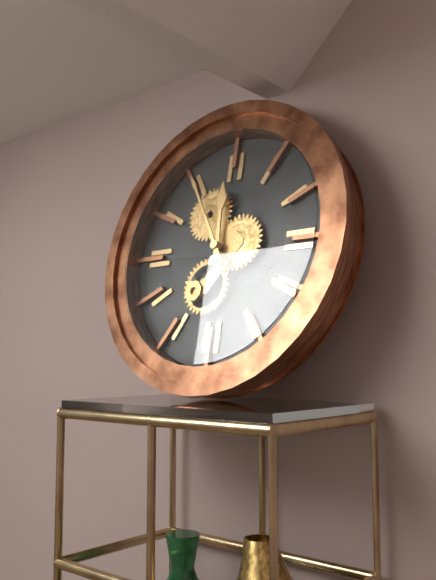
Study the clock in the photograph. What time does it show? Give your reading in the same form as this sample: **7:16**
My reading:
**11:55**
